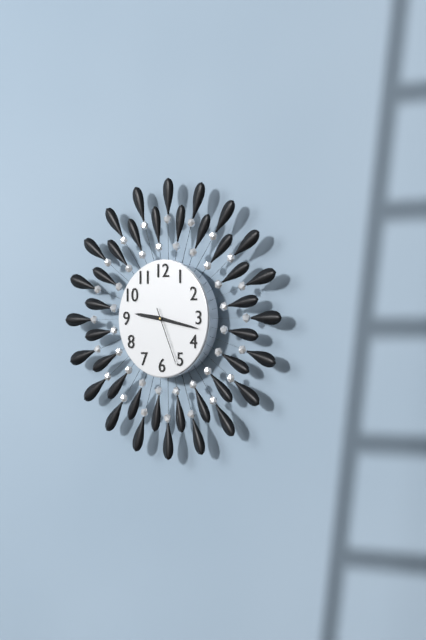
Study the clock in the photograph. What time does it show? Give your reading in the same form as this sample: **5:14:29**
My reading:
**9:17:26**
